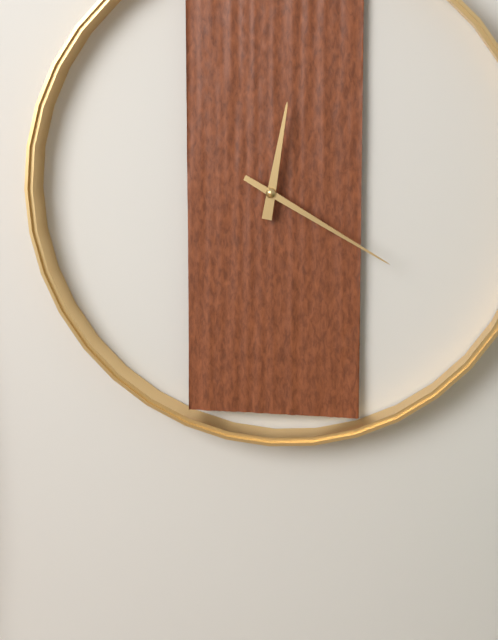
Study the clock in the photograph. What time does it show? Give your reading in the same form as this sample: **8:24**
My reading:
**12:20**
